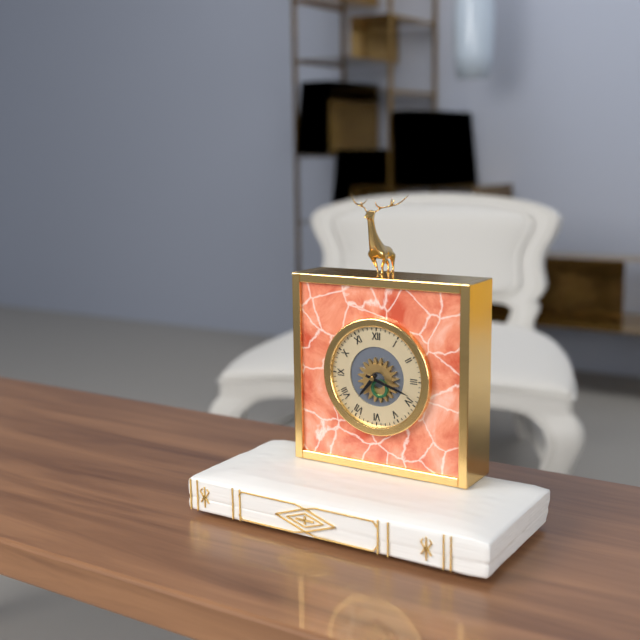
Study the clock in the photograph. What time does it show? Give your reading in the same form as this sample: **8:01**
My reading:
**7:18**
